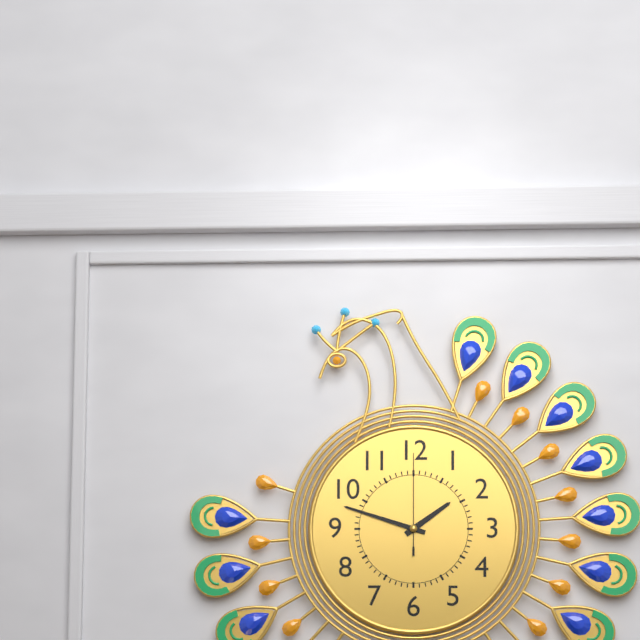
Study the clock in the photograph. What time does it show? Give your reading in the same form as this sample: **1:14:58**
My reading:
**1:48:00**
